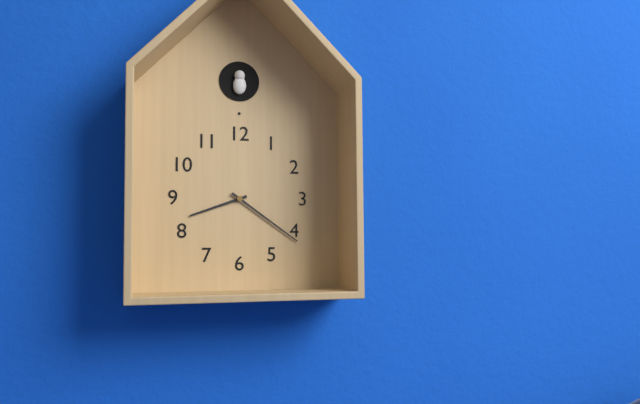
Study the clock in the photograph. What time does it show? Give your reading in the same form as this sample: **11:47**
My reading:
**8:21**
